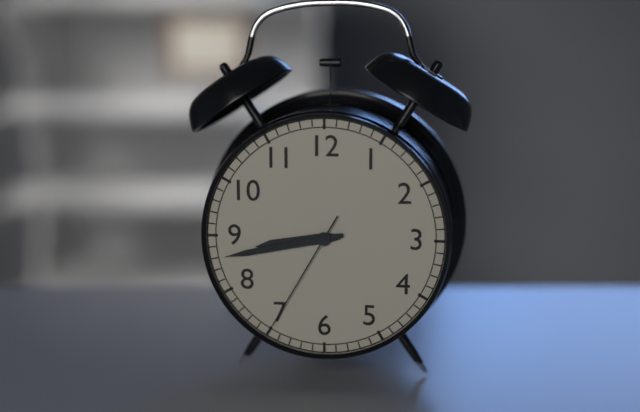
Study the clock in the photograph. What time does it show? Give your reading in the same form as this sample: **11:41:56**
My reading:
**8:43:35**
